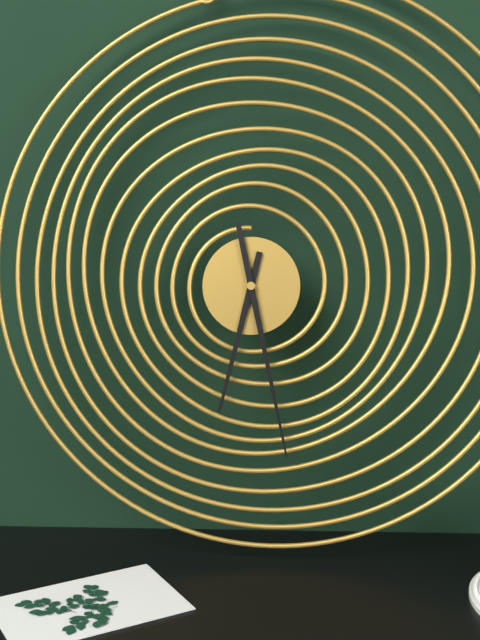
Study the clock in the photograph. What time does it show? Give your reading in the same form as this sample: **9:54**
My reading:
**6:28**
